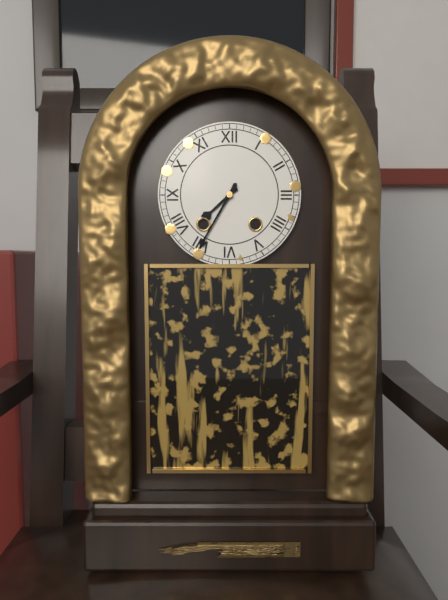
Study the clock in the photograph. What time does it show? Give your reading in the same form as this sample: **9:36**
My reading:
**7:35**
